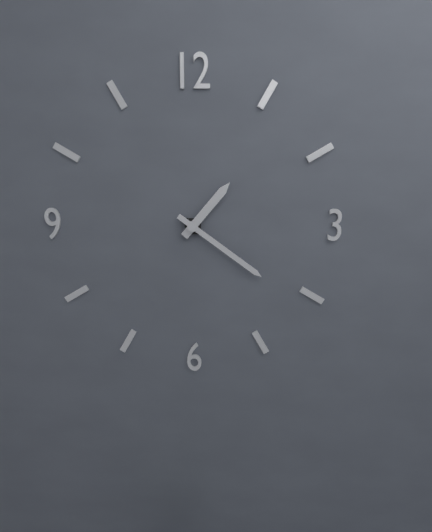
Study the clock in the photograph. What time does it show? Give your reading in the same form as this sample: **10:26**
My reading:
**1:21**
